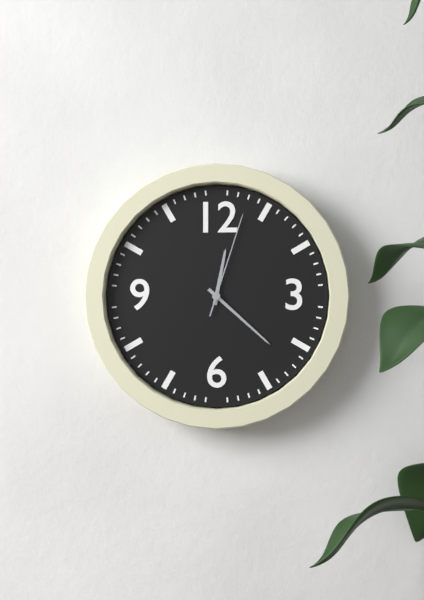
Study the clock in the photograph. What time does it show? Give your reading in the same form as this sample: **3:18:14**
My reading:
**12:22:03**
